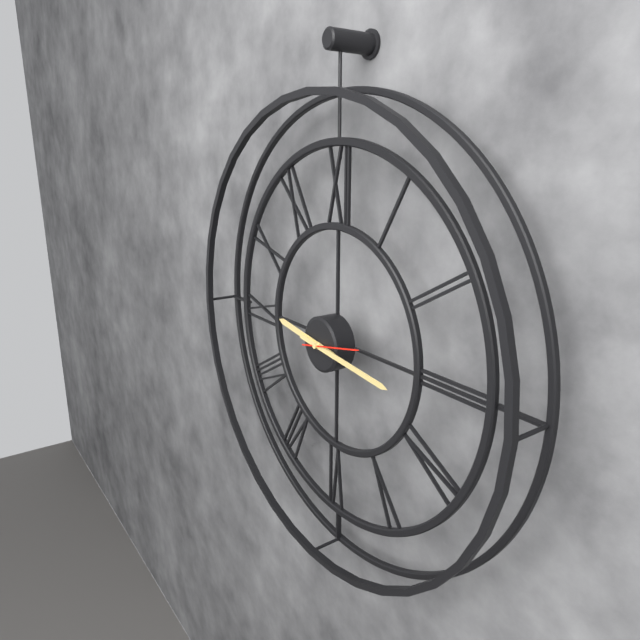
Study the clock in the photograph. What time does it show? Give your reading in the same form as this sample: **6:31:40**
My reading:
**9:16:13**
